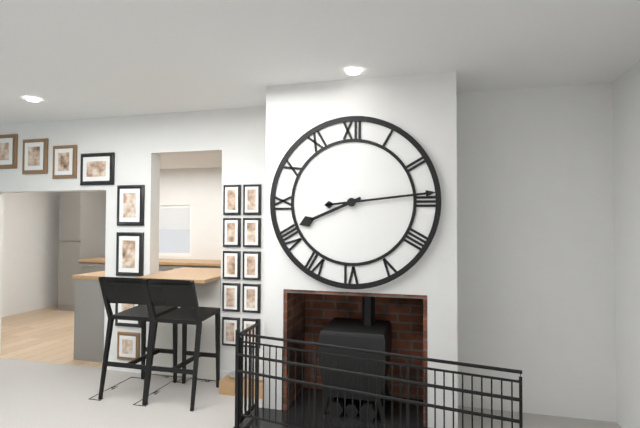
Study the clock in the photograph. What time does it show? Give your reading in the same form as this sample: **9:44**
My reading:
**8:14**
